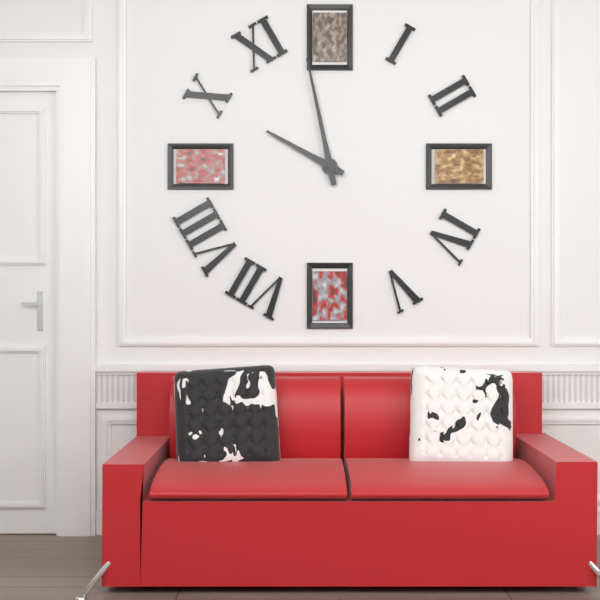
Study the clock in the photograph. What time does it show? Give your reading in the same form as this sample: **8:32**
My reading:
**9:58**
